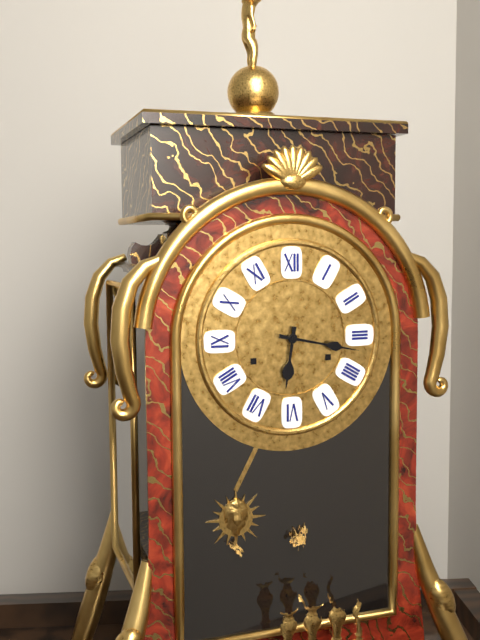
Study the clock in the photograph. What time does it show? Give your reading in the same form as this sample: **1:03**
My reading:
**6:17**
